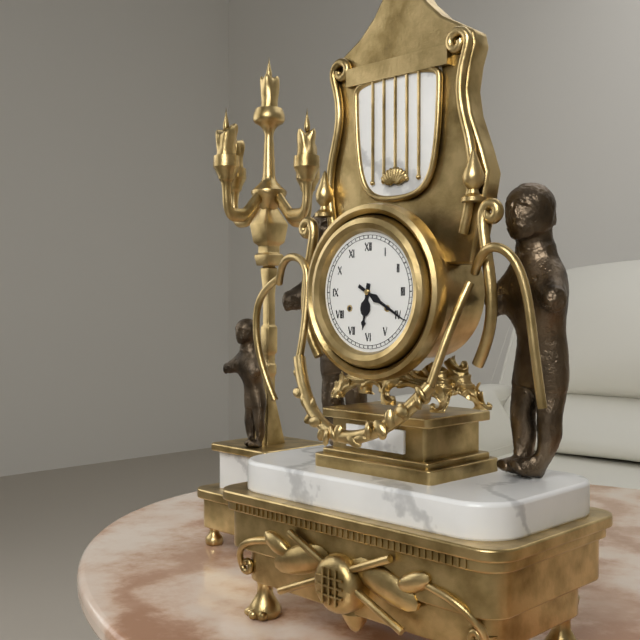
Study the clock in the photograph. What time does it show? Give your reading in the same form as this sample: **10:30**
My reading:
**6:20**
